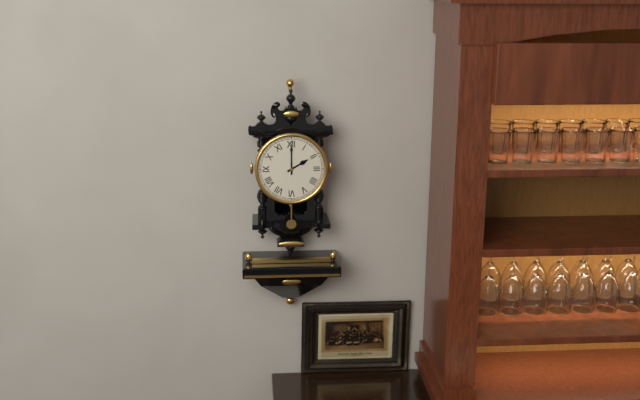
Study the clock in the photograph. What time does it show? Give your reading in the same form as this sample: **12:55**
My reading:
**2:00**
